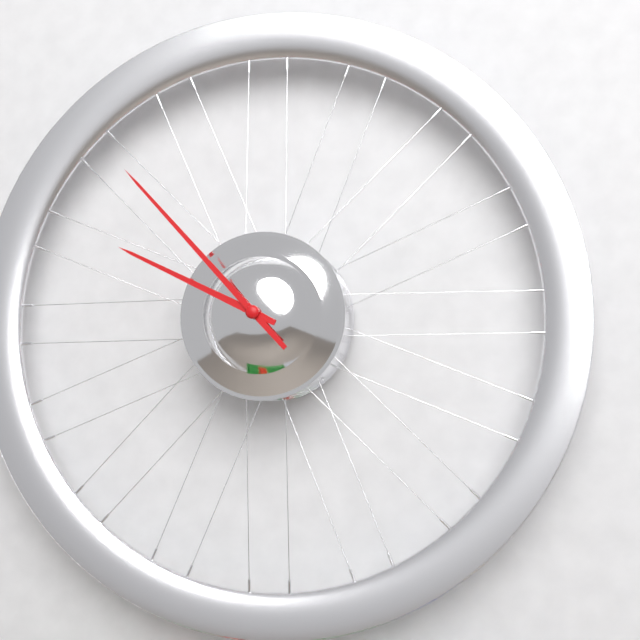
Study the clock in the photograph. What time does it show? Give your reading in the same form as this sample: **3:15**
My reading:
**9:53**
